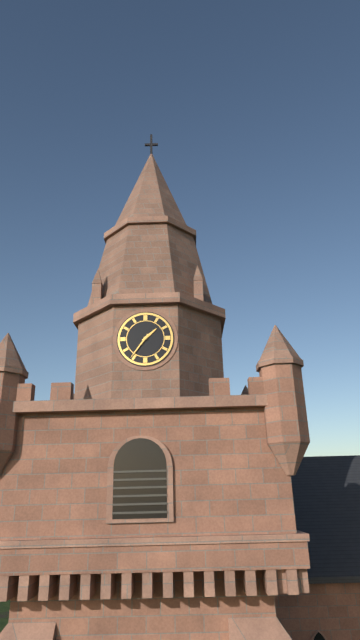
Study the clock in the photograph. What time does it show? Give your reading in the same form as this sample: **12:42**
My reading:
**1:36**
